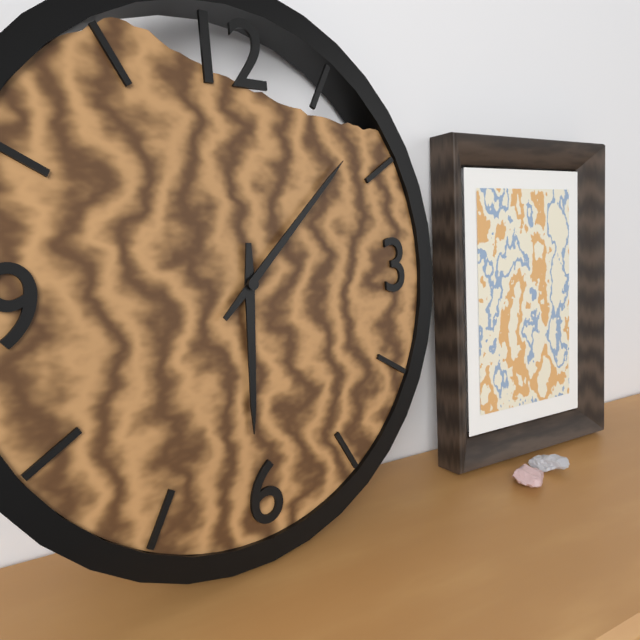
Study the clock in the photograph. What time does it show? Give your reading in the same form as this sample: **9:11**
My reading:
**6:08**
